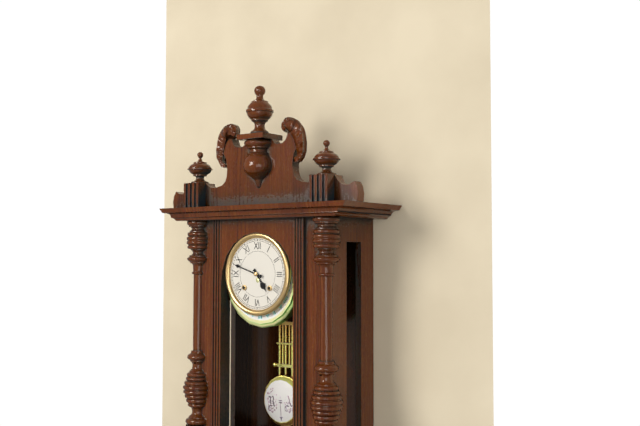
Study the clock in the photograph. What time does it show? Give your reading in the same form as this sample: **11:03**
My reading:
**4:48**
